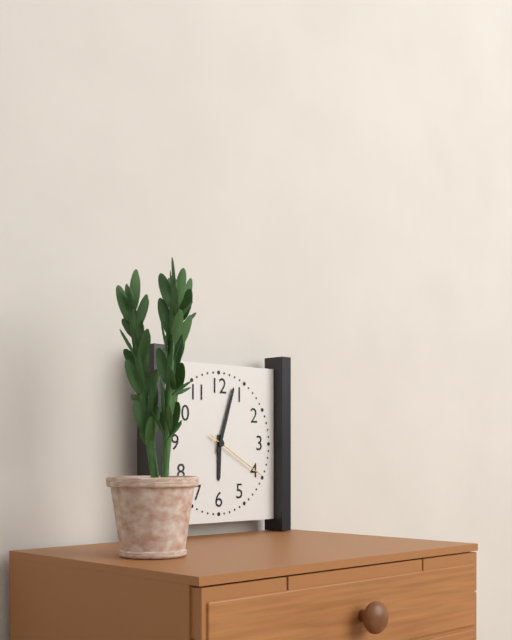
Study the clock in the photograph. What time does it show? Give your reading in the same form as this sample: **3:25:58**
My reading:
**6:03:20**
